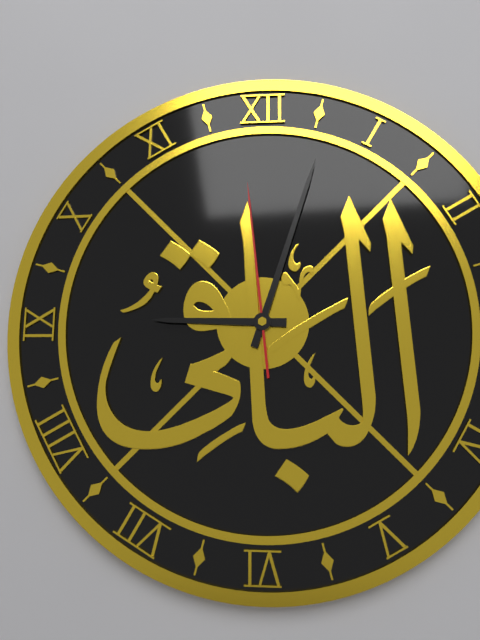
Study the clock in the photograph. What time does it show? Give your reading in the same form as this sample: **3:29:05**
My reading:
**9:03:59**
